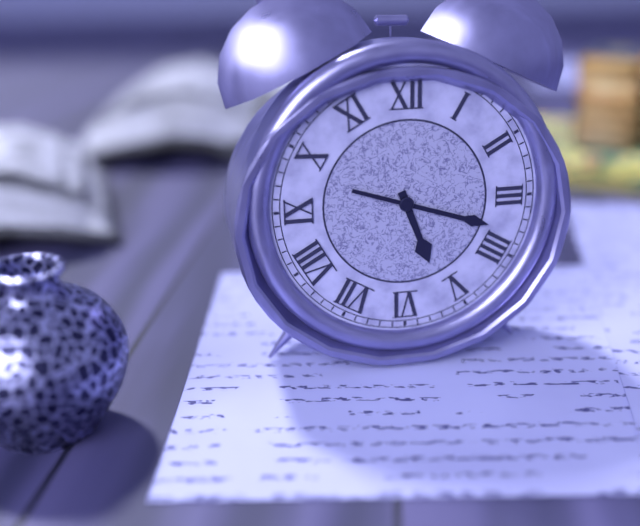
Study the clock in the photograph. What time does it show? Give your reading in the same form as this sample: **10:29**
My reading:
**5:18**
